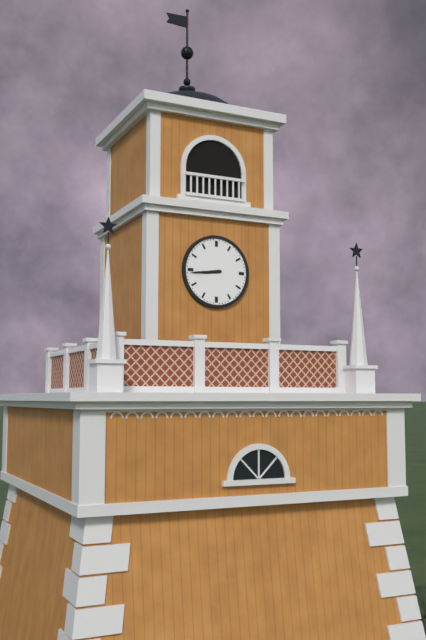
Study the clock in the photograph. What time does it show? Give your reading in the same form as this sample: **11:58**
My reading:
**8:44**
